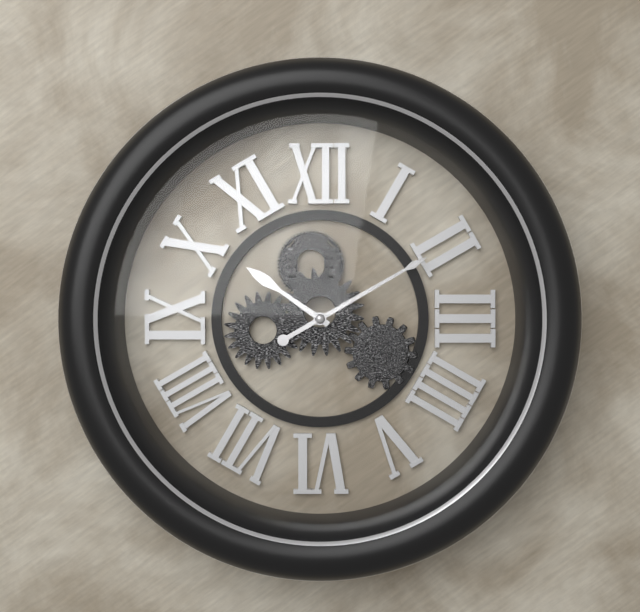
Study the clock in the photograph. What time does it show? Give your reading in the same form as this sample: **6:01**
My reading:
**10:10**
